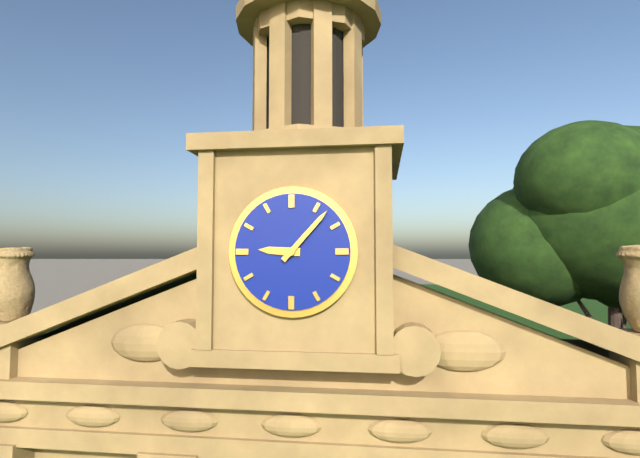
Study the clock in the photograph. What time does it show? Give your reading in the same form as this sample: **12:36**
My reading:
**9:07**
